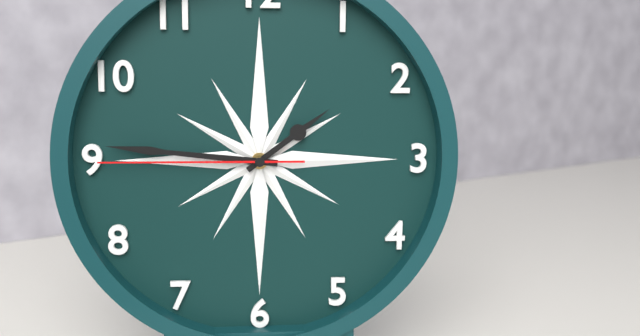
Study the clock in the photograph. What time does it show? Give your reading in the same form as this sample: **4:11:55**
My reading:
**1:46:45**
